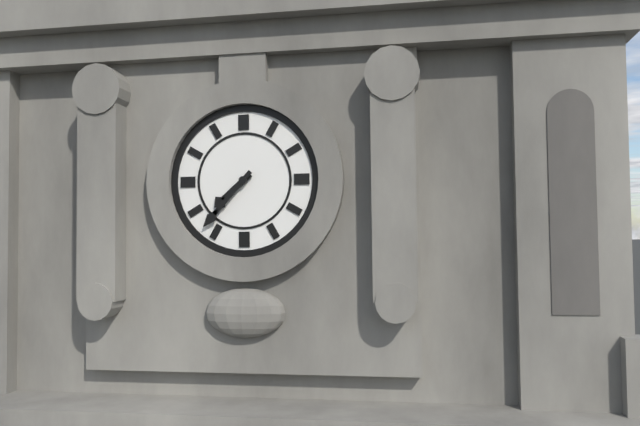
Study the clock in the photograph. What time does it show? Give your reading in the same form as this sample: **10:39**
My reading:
**7:37**
